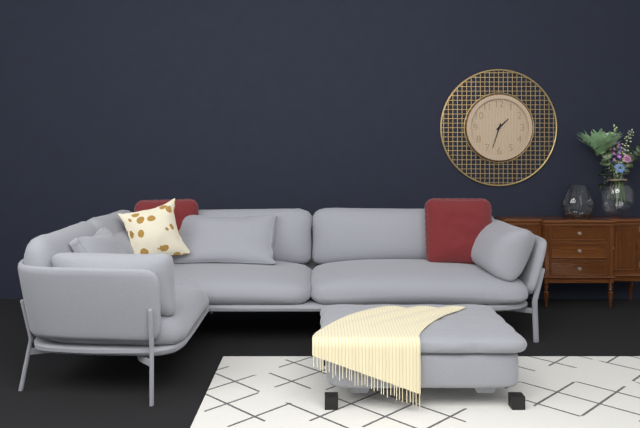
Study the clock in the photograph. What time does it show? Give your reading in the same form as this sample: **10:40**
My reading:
**1:33**
